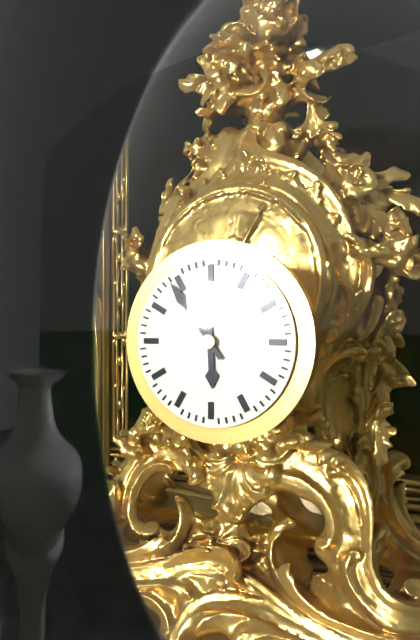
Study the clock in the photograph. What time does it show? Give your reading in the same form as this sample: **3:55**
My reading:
**5:54**
